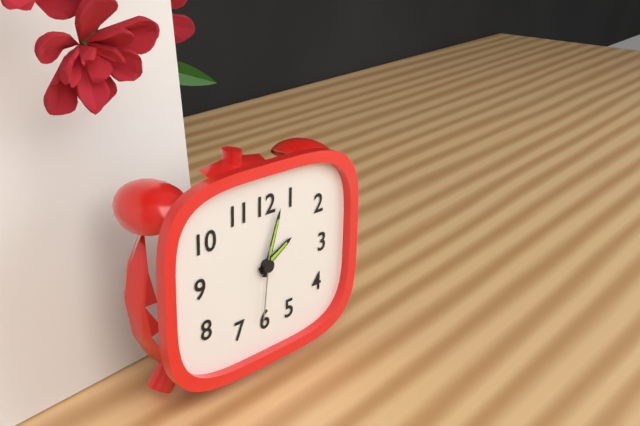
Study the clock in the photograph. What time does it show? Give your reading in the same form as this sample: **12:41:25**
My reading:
**2:03:31**
